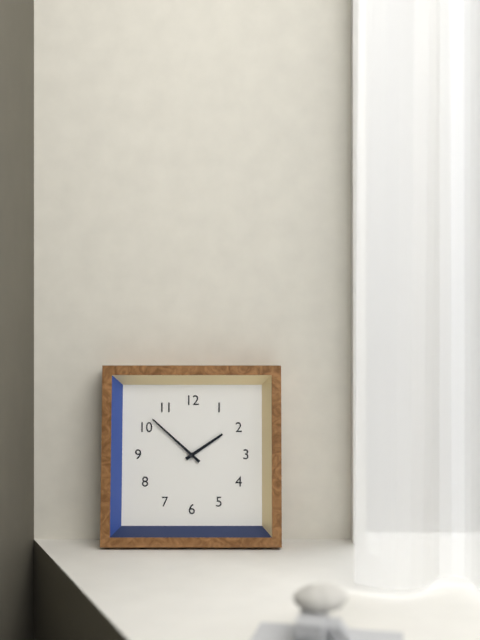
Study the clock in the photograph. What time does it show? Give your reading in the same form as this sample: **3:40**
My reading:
**1:52**
